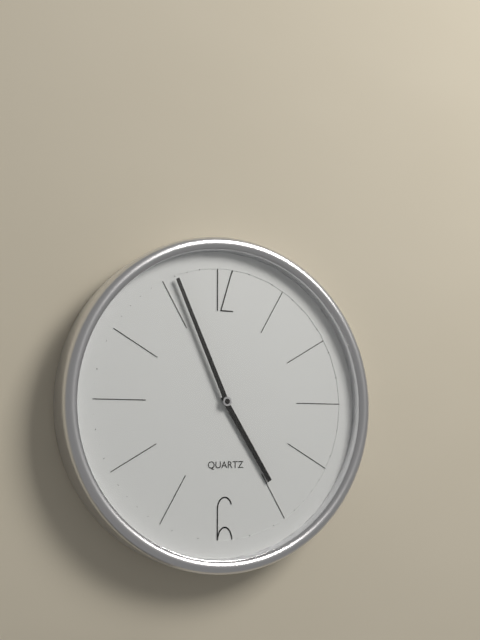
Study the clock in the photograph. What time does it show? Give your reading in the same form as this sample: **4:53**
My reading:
**4:56**
